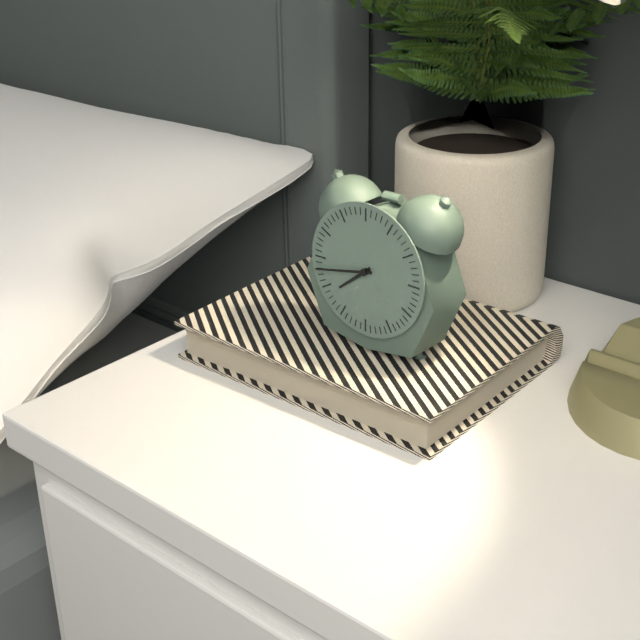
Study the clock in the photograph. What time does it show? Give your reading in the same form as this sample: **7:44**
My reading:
**7:43**
